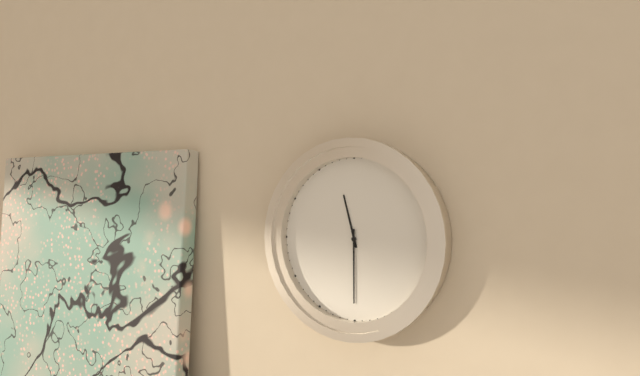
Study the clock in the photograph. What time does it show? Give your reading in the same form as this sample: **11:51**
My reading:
**11:30**
